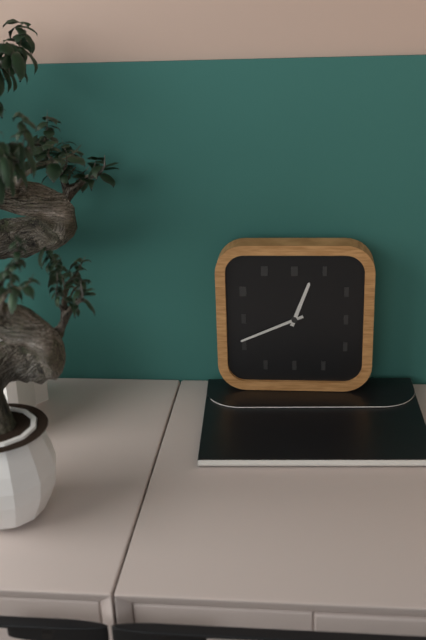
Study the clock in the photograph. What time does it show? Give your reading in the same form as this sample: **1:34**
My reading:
**12:41**
